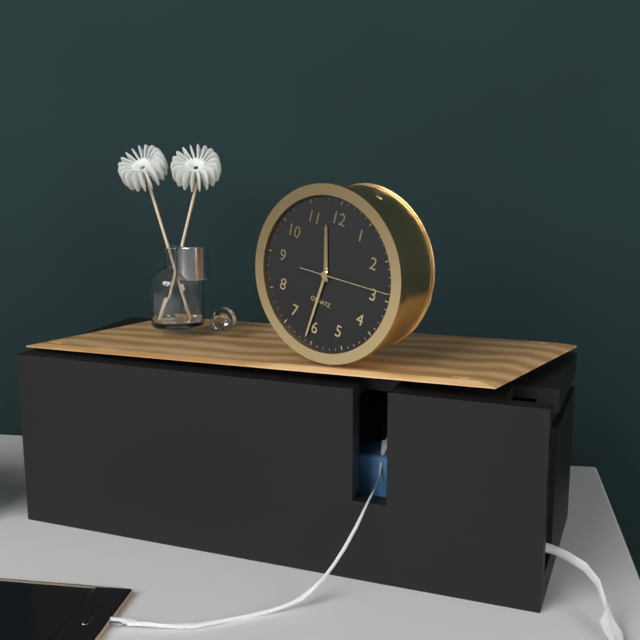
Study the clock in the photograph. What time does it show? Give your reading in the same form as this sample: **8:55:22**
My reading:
**11:31:14**
